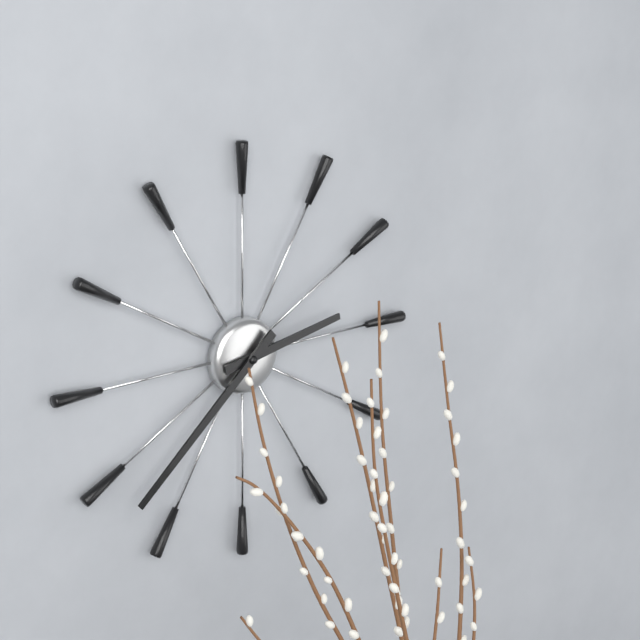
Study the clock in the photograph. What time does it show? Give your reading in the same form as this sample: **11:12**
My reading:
**2:38**
